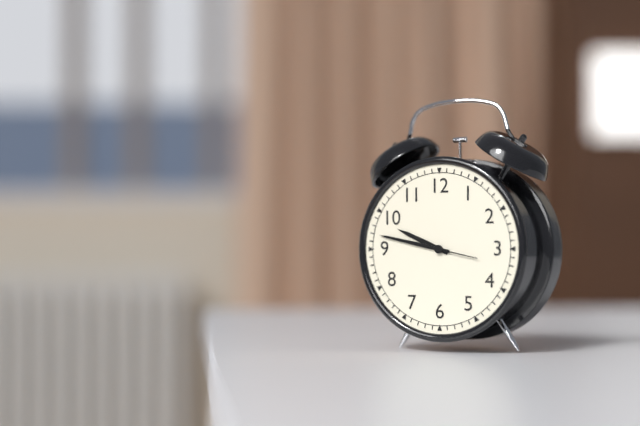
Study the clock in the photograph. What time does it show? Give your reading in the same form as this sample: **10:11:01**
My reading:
**9:47:17**
